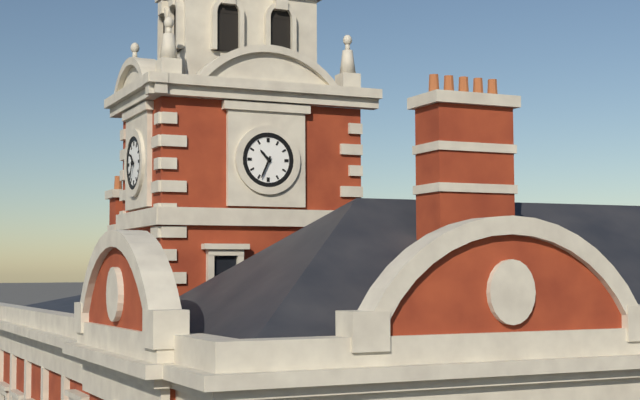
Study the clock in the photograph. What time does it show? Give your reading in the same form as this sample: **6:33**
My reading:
**10:34**
